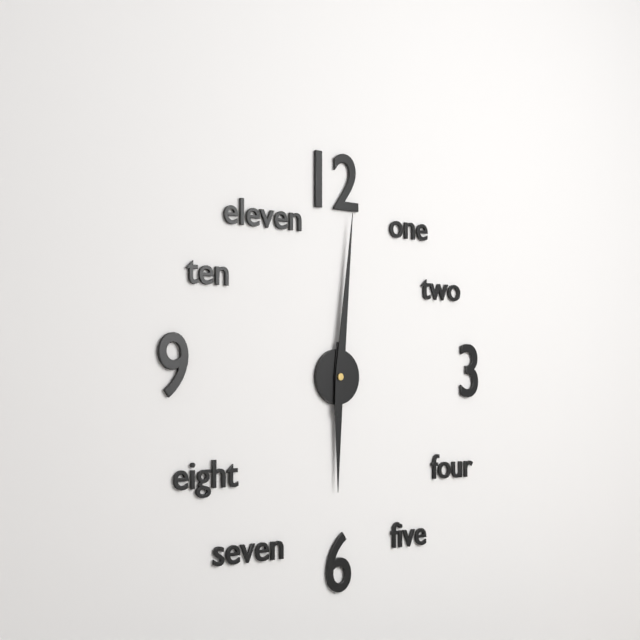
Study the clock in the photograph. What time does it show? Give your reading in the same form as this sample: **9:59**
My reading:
**6:01**
